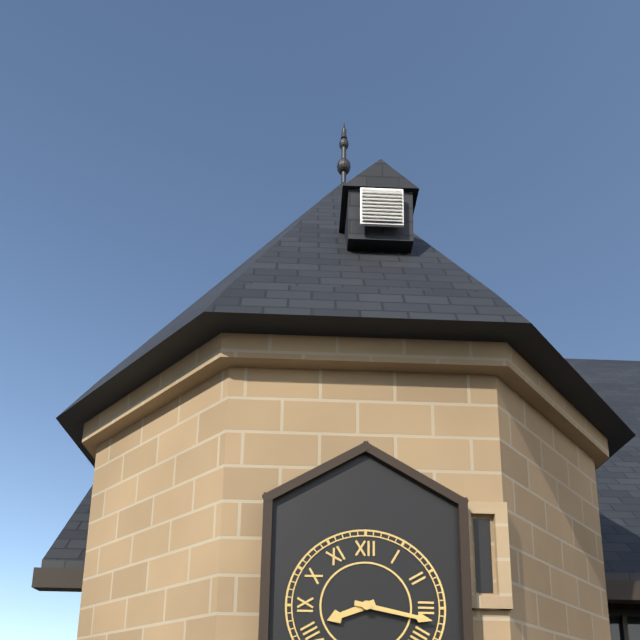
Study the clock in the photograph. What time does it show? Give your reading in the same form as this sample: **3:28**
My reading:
**8:17**
